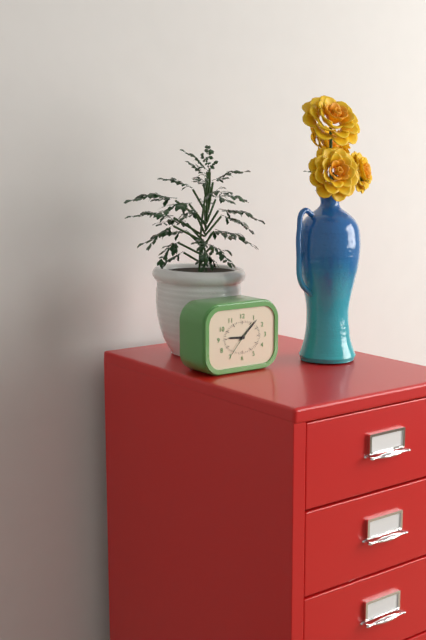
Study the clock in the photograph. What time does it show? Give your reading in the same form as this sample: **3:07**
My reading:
**9:08**
